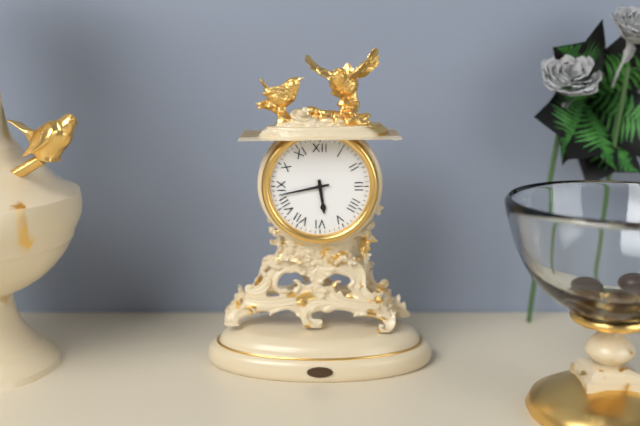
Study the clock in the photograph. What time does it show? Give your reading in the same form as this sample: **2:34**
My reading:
**5:43**
